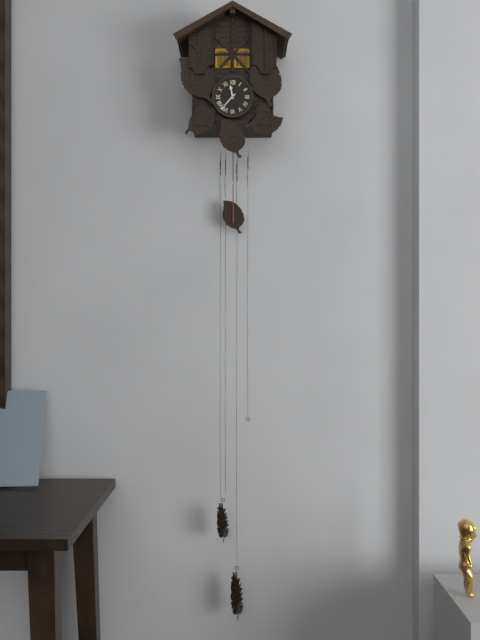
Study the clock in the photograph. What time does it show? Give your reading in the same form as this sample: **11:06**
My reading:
**11:37**
